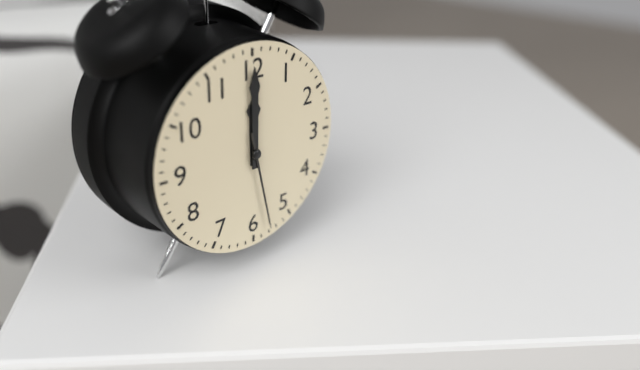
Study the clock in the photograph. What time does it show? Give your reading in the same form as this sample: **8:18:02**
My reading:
**12:00:28**
